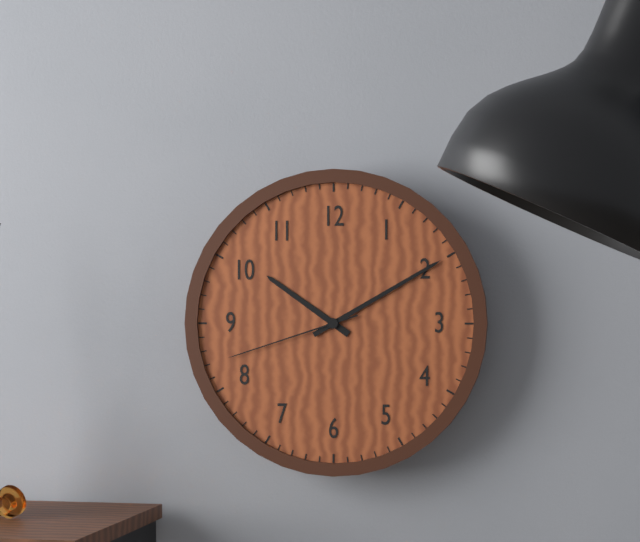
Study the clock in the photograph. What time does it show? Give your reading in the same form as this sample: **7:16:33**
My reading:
**10:10:42**
